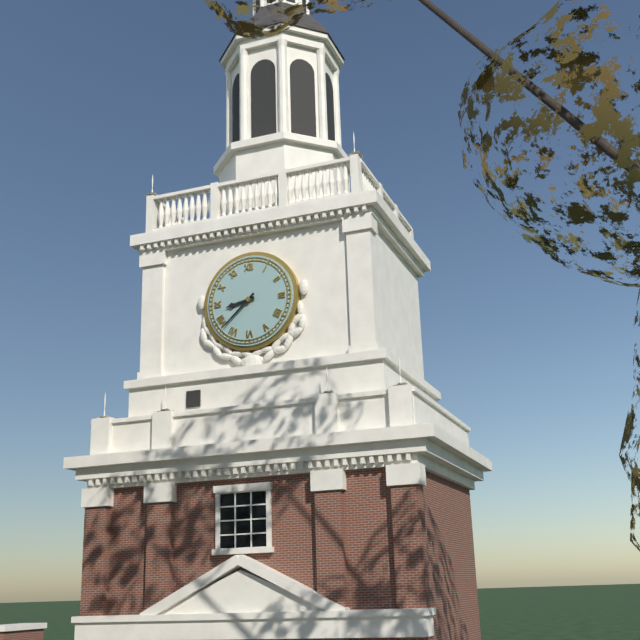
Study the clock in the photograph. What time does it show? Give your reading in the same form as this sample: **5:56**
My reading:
**8:38**
